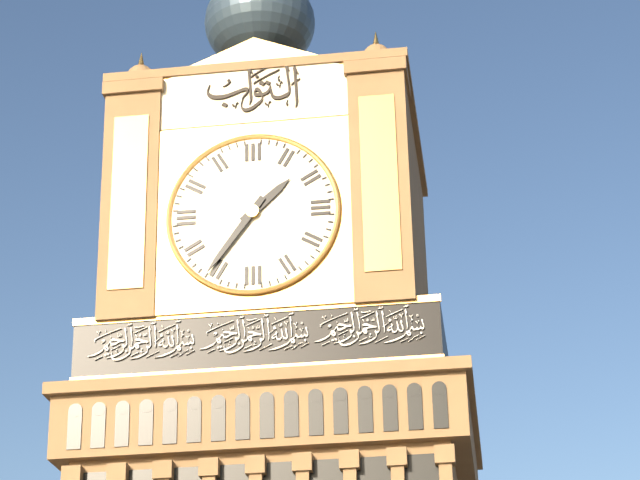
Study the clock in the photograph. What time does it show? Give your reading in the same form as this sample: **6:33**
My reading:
**1:36**
